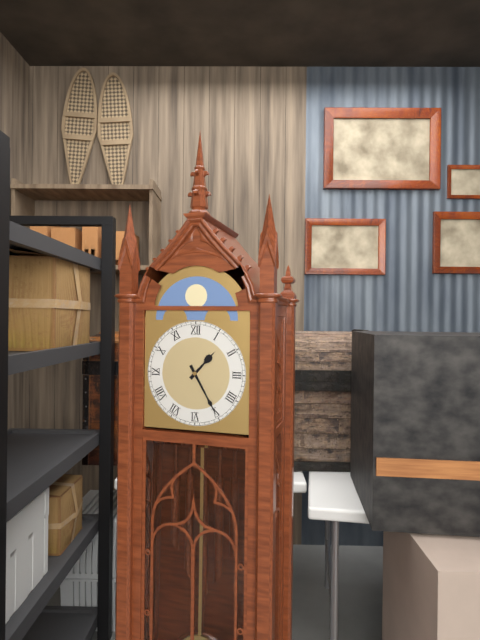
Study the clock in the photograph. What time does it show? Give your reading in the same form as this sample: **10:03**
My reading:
**1:25**
